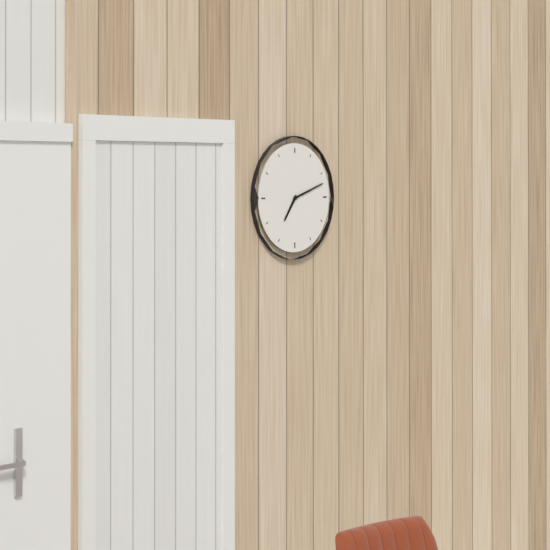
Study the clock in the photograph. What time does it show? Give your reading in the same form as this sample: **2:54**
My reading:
**7:12**
